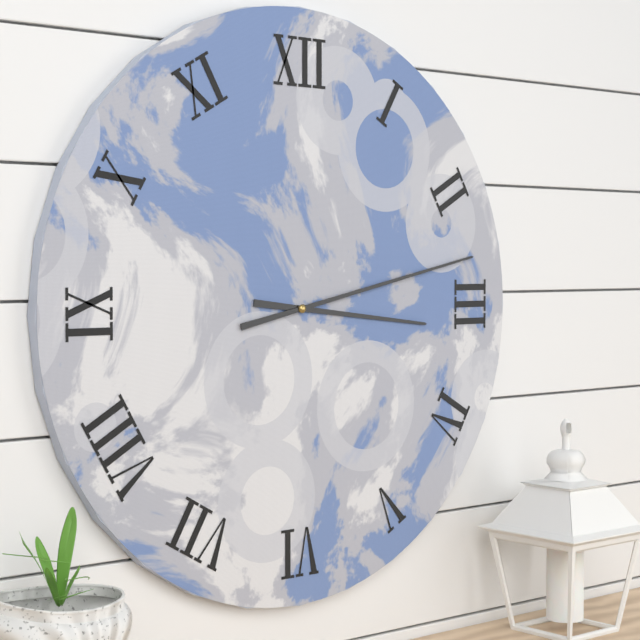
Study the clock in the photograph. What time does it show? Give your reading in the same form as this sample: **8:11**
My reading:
**3:13**
